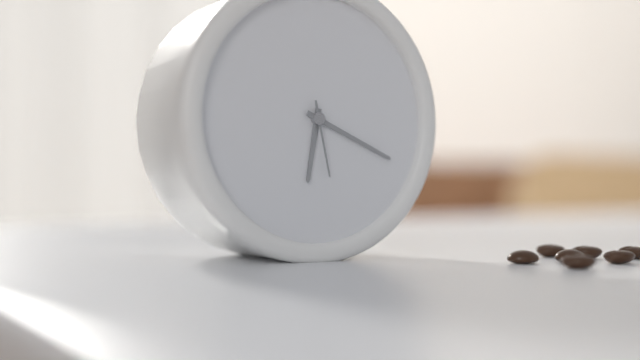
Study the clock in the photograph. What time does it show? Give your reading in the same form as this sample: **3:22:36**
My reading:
**6:19:28**
